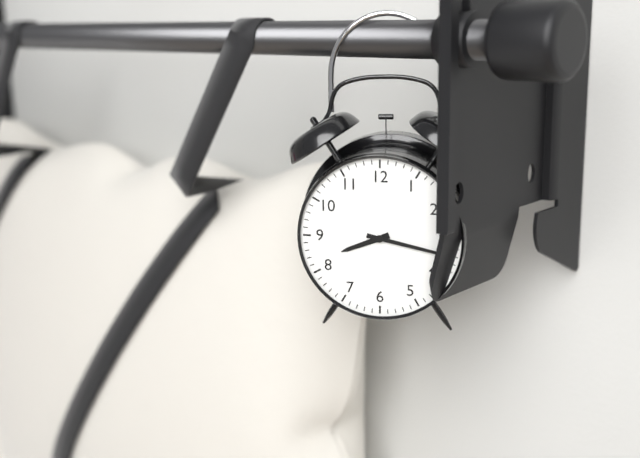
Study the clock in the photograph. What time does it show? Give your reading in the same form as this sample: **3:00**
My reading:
**8:17**
